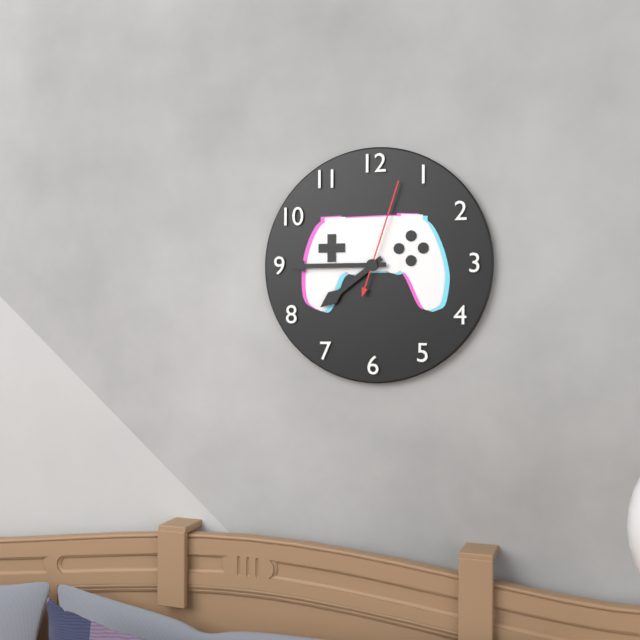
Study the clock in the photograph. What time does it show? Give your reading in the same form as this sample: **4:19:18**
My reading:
**7:45:03**
